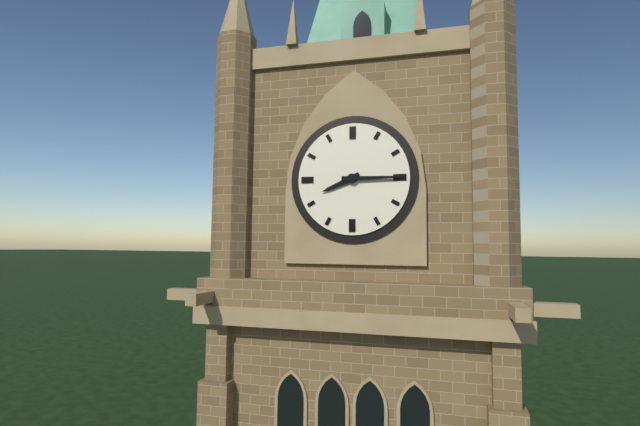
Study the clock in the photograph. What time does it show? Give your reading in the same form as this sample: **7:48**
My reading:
**8:15**
